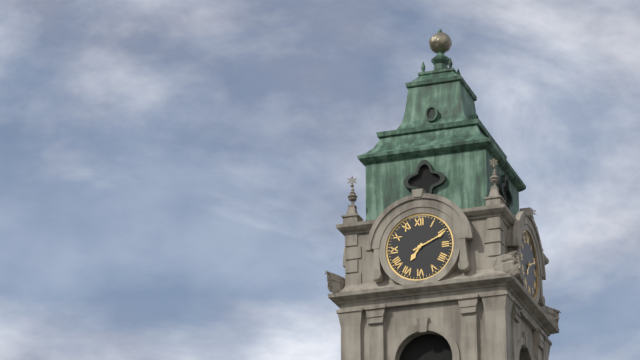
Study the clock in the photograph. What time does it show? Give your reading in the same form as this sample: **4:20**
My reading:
**7:11**
